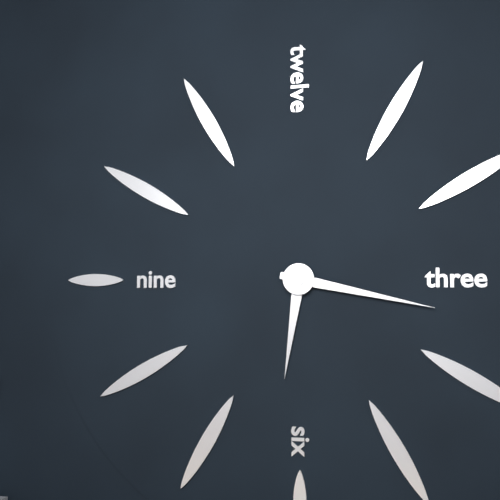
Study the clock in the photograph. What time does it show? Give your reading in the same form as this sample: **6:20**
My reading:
**6:17**
